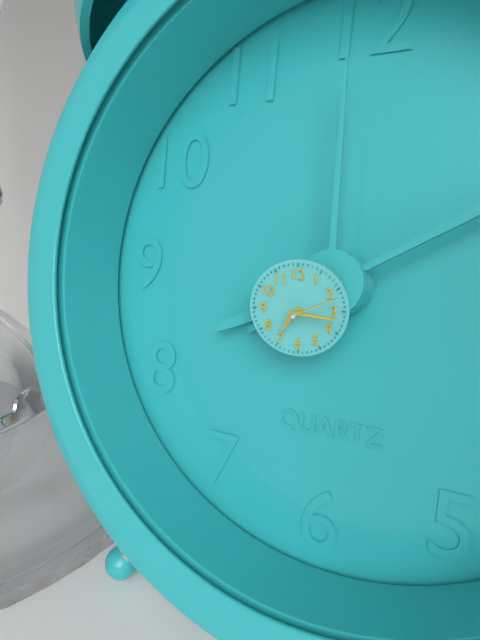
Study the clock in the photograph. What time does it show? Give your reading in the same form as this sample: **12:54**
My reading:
**7:16**
